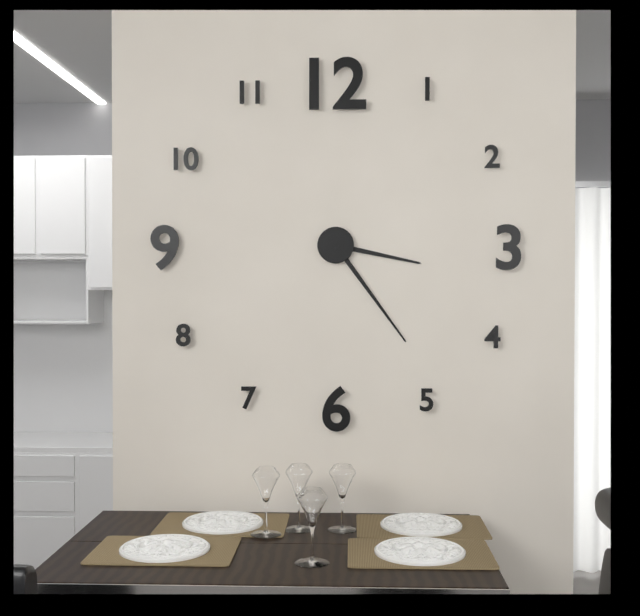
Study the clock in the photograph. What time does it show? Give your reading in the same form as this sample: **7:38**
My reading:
**3:24**
